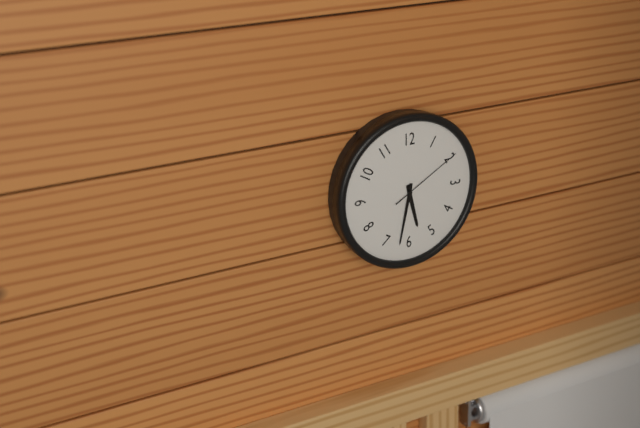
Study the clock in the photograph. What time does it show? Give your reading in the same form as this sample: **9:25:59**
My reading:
**5:32:10**
